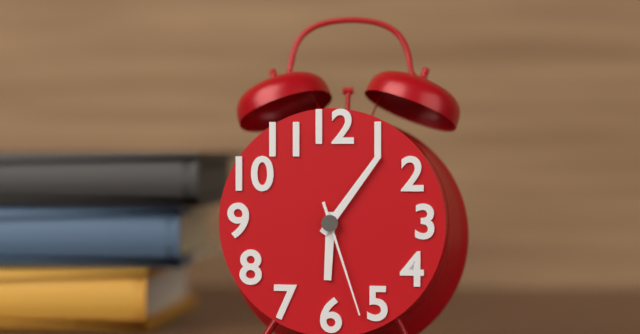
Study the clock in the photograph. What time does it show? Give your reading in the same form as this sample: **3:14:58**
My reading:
**6:06:27**
